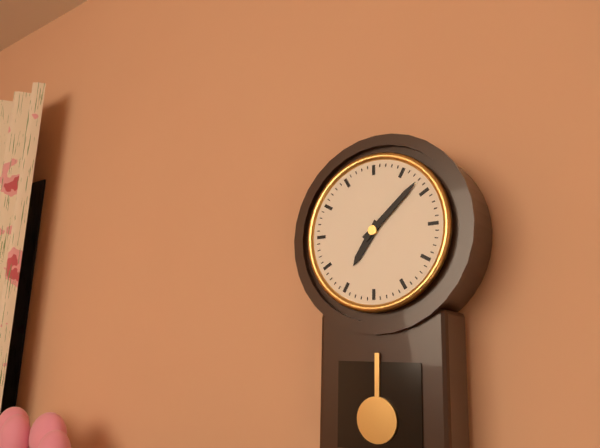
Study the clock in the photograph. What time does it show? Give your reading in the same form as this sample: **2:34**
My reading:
**7:08**
